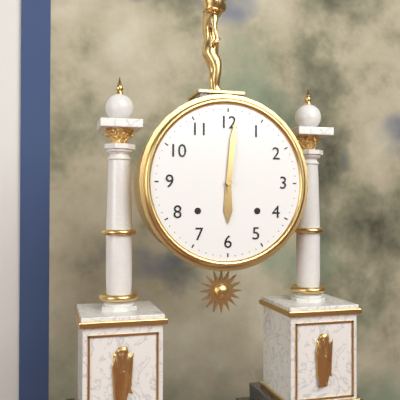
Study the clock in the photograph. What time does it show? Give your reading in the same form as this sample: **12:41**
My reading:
**6:01**
